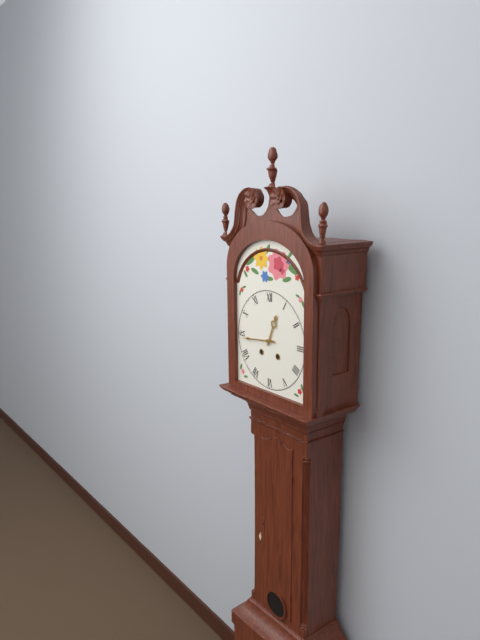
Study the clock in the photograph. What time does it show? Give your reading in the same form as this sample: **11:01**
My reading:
**12:44**
